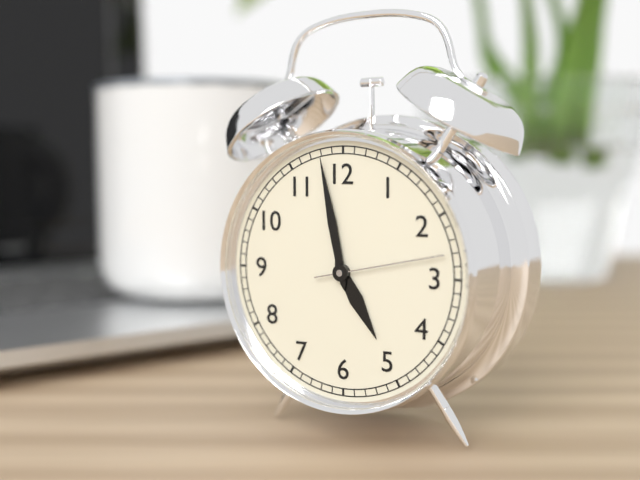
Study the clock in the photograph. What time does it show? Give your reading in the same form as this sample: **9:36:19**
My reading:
**4:58:13**
